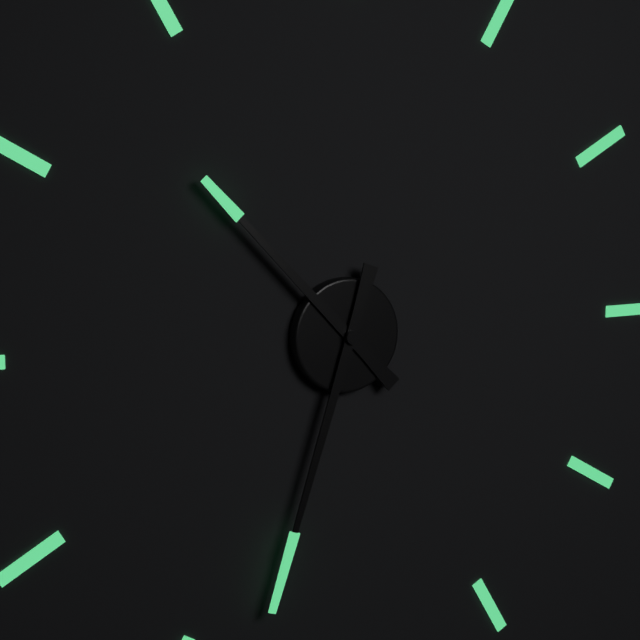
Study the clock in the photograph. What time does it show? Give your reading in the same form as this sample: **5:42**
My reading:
**10:33**
